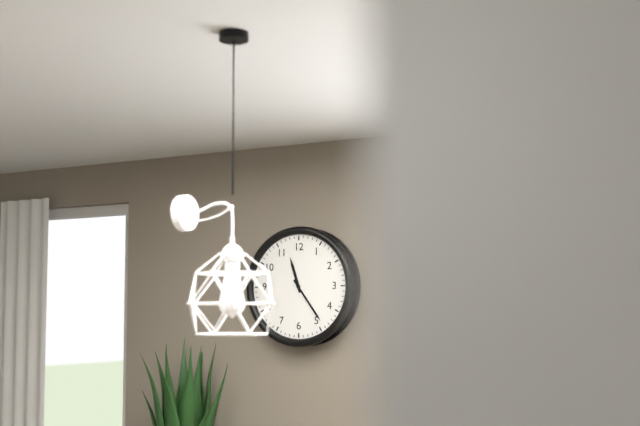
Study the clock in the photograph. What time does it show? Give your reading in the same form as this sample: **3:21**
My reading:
**11:24**
